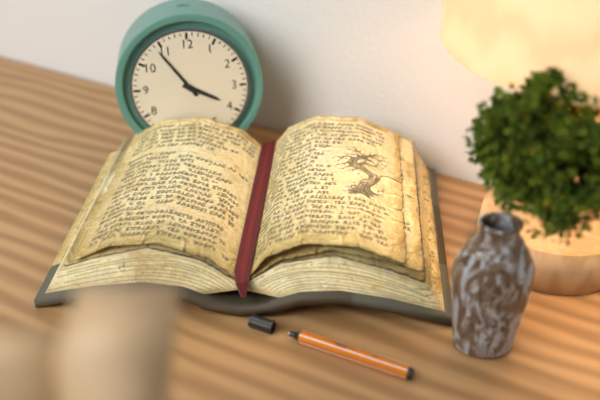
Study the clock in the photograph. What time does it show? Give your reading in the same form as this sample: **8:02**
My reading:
**3:54**
